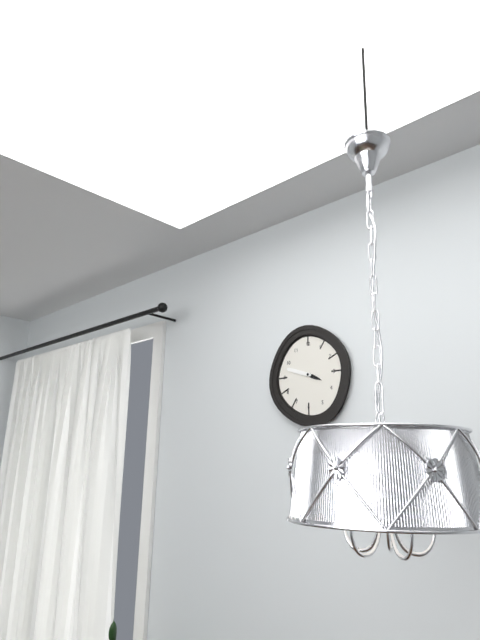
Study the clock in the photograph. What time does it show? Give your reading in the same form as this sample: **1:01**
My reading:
**3:48**
